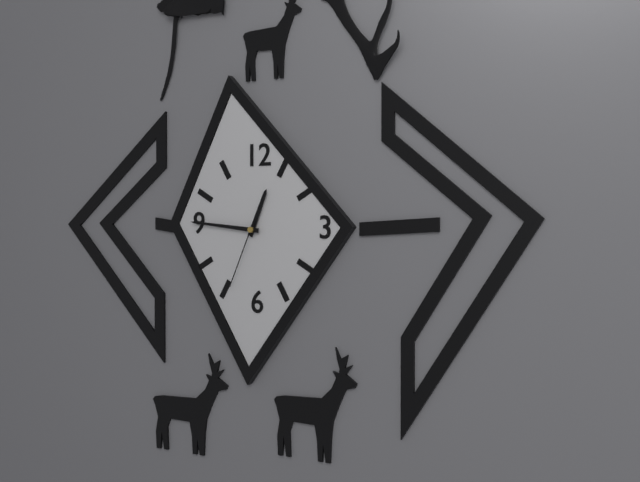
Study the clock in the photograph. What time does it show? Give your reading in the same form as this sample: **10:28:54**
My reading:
**12:46:34**
